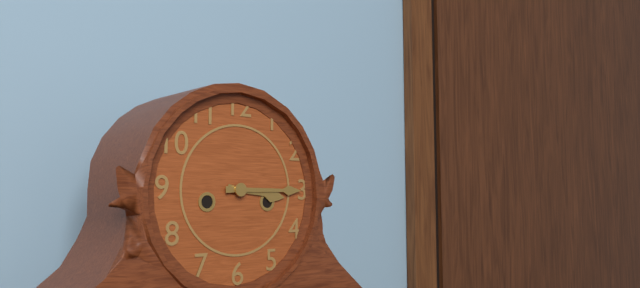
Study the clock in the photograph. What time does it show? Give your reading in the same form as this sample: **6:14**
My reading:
**3:15**
